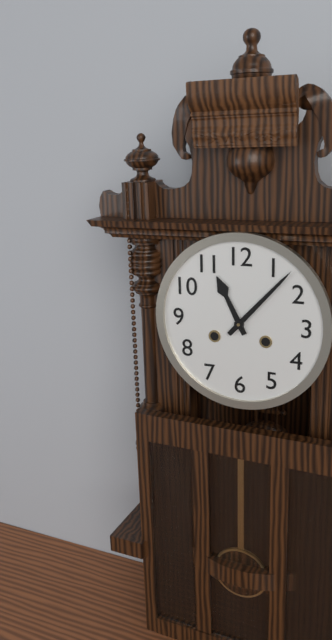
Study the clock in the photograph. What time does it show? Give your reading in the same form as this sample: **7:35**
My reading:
**11:07**
